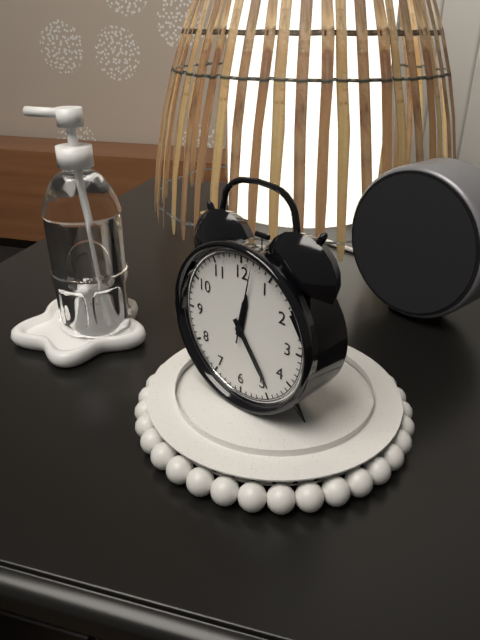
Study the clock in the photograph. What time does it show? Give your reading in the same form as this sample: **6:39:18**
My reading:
**12:24:02**
